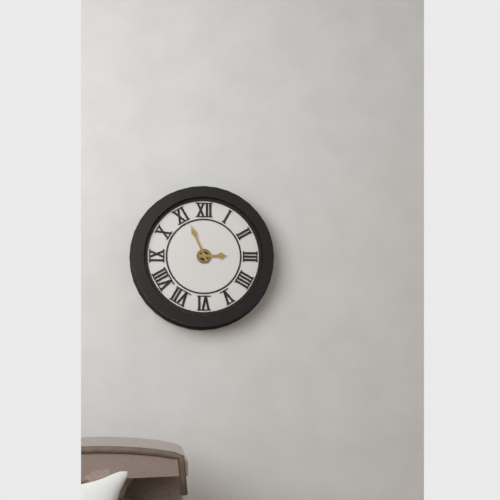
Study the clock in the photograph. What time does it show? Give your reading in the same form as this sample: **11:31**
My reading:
**2:56**
